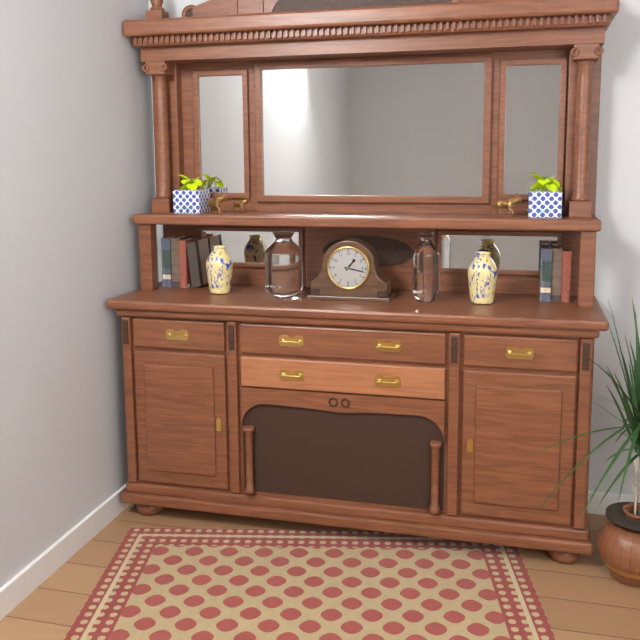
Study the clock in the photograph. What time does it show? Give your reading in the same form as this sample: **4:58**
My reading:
**1:17**
